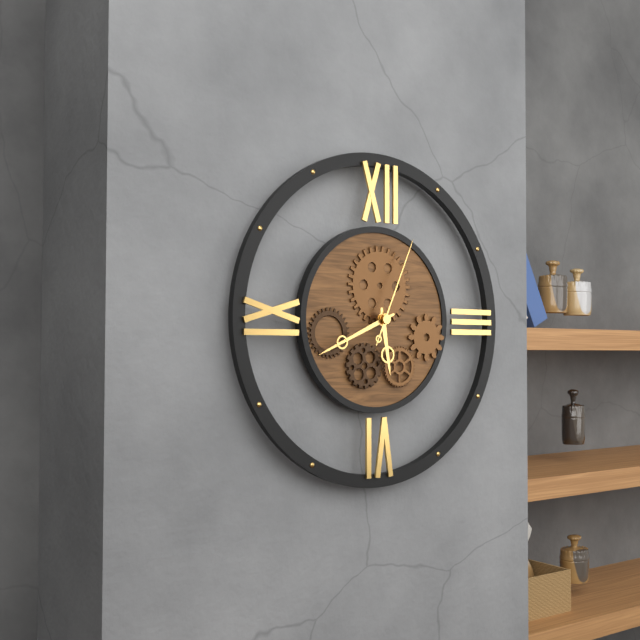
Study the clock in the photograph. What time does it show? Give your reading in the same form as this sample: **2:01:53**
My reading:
**5:41:04**
